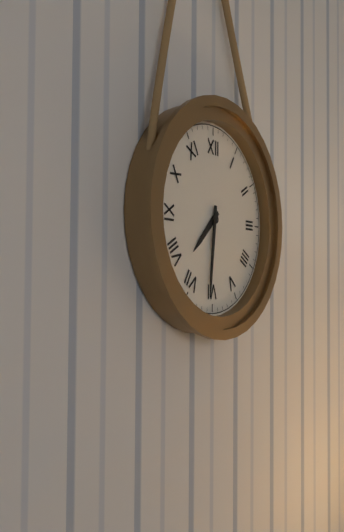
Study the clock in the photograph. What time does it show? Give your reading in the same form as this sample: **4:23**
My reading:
**7:31**
